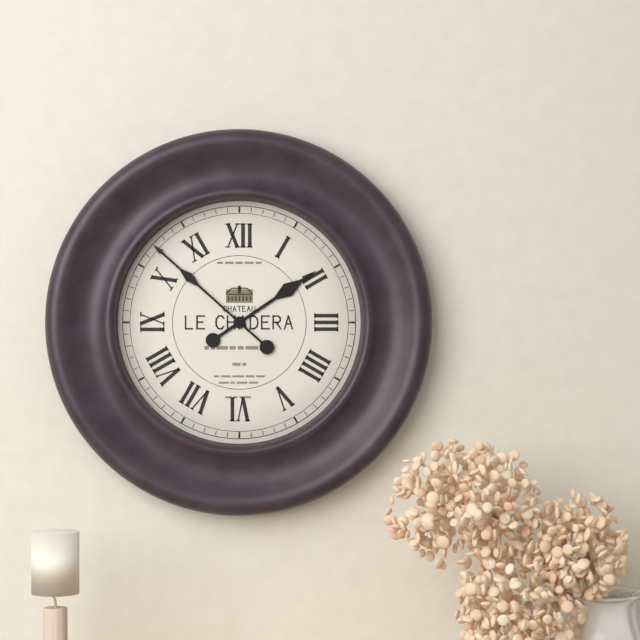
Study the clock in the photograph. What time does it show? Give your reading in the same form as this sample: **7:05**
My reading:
**1:52**
